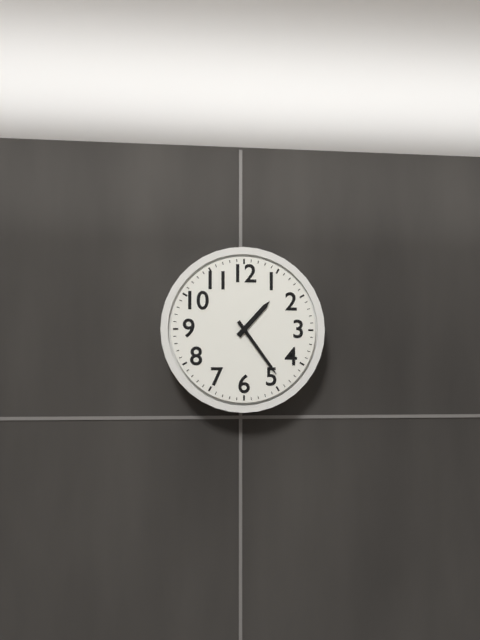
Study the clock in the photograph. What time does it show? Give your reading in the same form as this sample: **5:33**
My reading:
**1:24**
